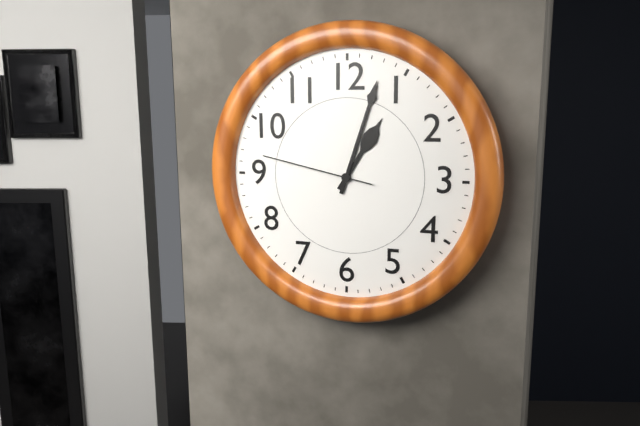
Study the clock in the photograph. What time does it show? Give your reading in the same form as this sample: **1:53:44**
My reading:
**1:03:47**
